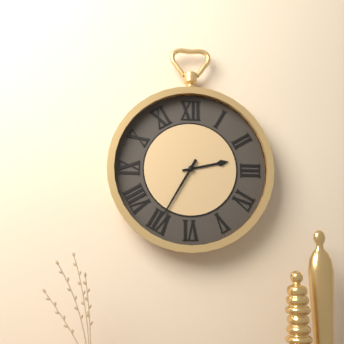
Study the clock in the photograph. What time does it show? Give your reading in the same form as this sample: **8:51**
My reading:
**2:35**
